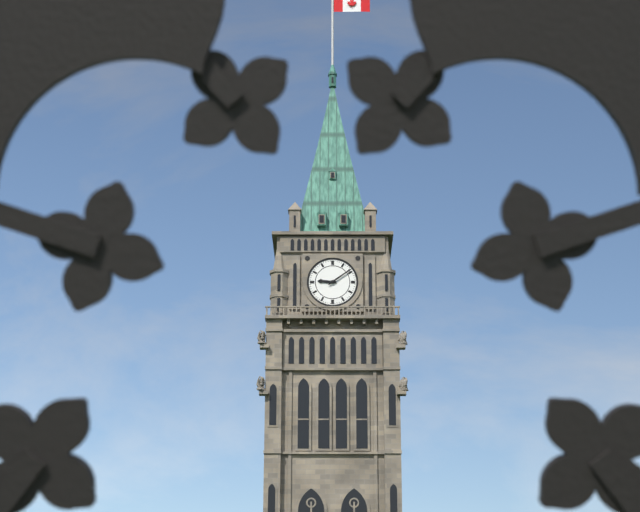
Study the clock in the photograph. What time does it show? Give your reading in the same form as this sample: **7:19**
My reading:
**9:09**
